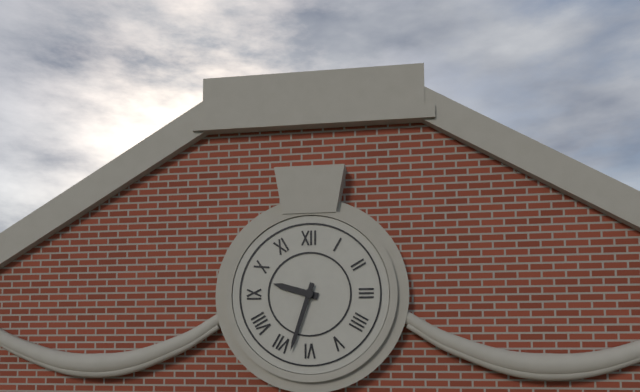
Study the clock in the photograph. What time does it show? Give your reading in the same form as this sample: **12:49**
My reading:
**9:33**
